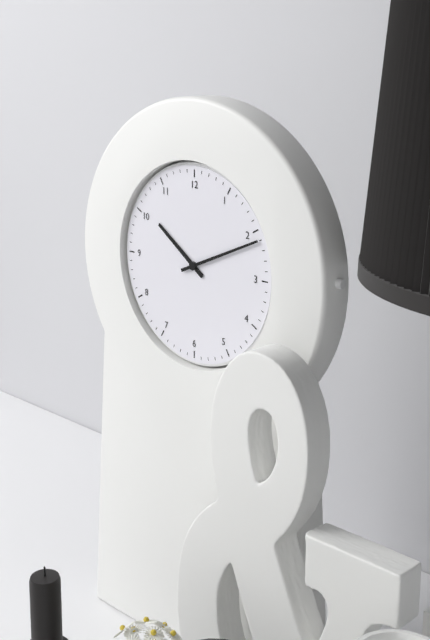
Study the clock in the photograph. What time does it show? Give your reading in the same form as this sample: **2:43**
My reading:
**10:11**
